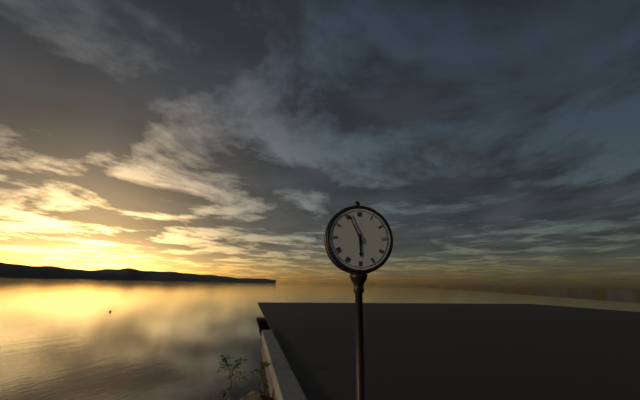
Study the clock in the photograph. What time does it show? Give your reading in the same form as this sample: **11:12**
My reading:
**5:56**
